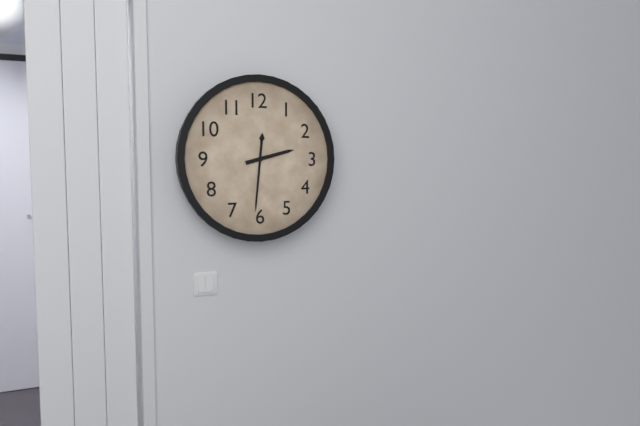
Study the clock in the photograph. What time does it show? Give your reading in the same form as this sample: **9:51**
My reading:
**2:31**
